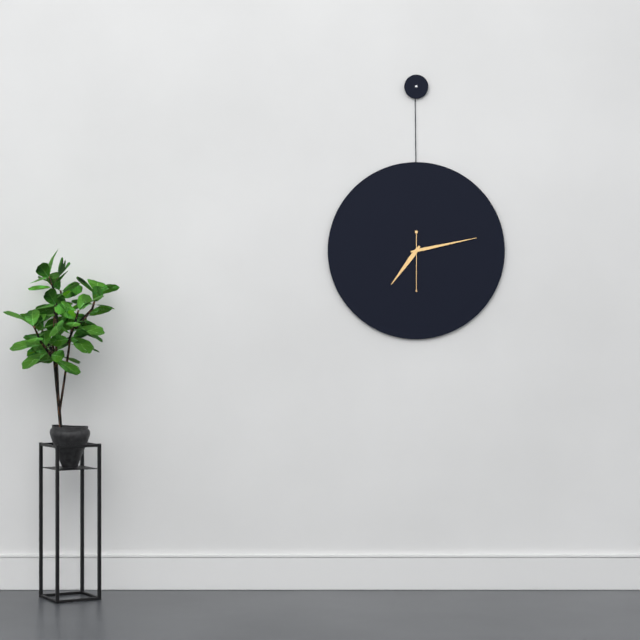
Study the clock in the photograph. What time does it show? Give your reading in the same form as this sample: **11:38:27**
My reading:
**7:13:30**
